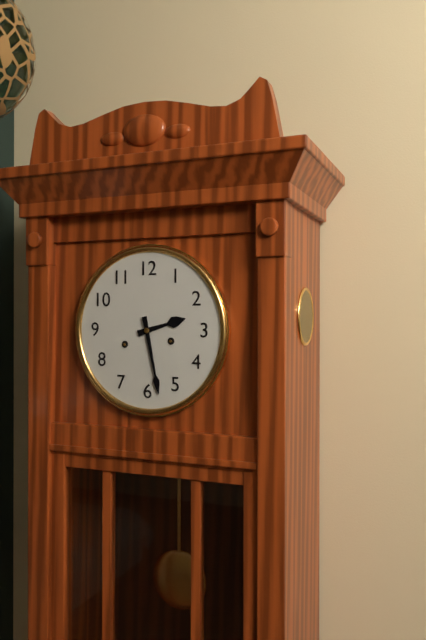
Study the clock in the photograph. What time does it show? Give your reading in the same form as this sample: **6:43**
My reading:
**2:28**
